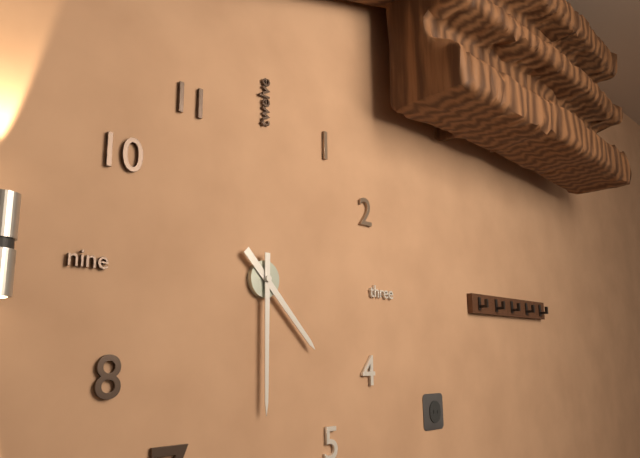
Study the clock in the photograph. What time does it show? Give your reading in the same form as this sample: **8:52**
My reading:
**4:30**
